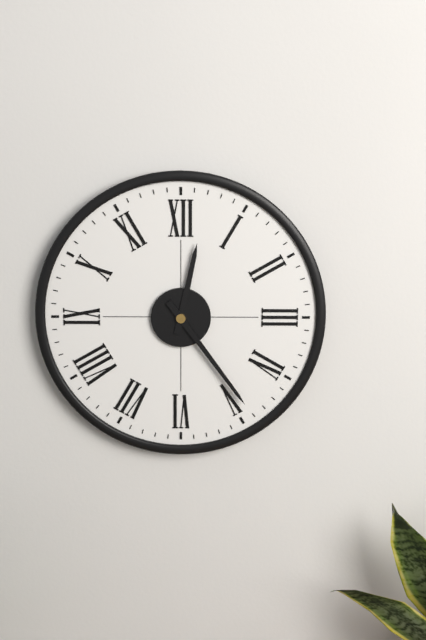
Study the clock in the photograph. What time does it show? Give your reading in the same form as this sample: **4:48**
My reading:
**12:24**
